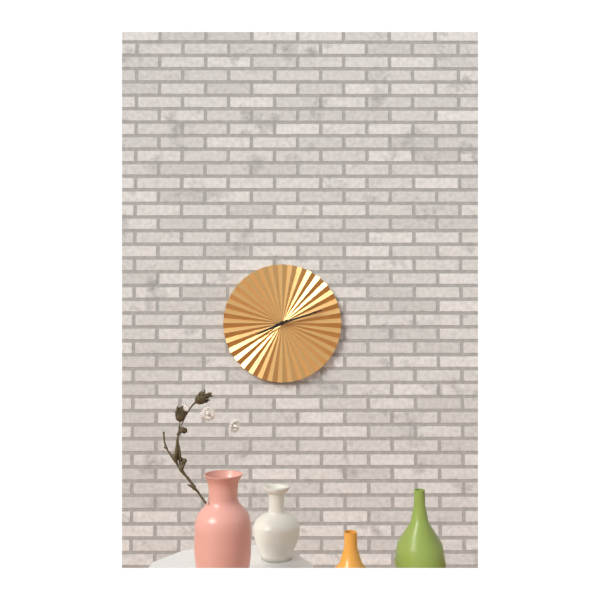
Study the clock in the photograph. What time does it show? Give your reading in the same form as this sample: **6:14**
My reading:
**8:12**
